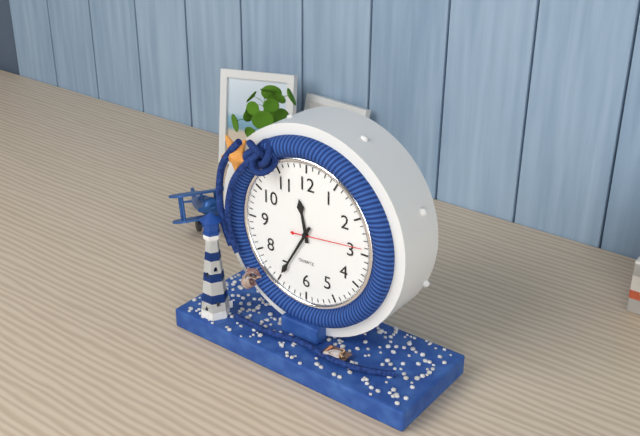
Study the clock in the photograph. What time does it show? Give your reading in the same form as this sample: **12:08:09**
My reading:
**11:35:14**
